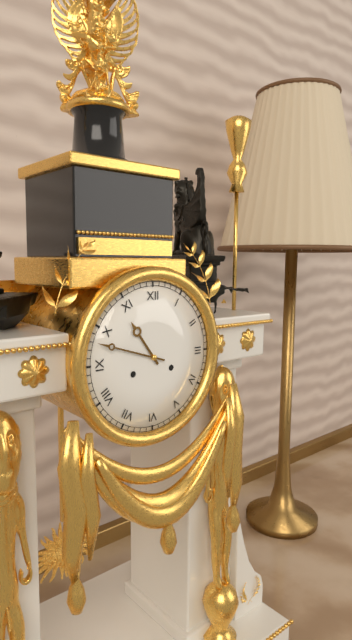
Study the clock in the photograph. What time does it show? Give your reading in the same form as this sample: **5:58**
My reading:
**10:48**
